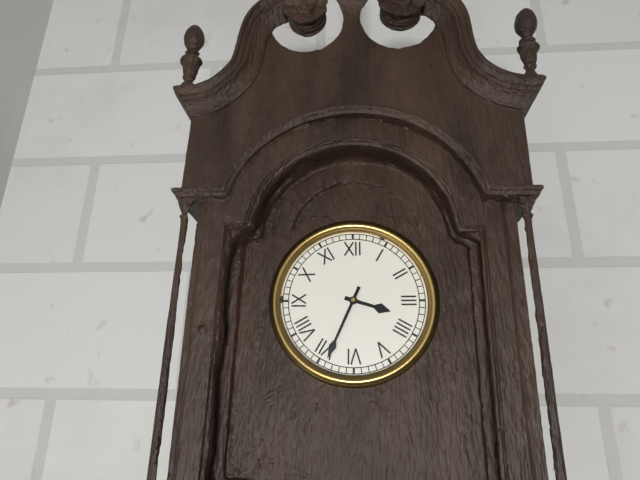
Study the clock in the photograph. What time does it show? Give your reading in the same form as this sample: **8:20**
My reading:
**3:34**
